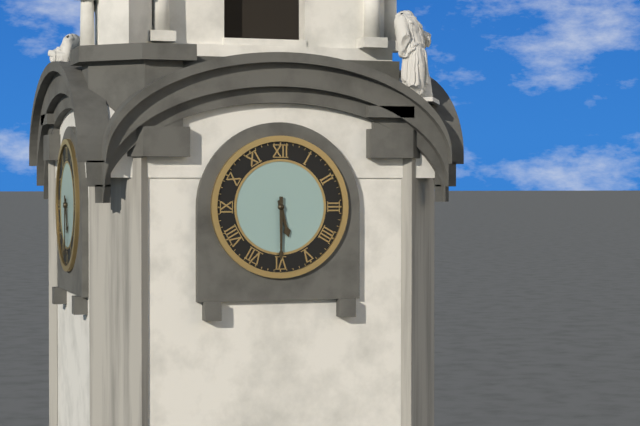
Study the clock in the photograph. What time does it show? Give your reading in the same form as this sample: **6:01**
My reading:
**5:30**
